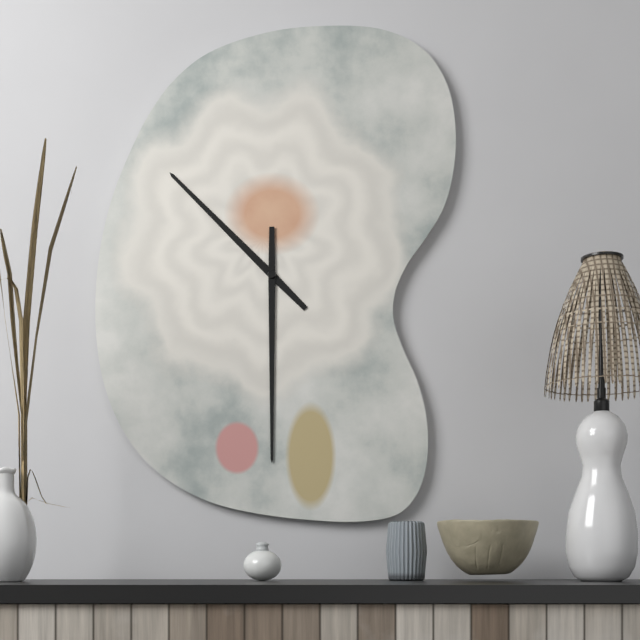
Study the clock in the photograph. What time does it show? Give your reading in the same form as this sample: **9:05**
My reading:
**10:30**
